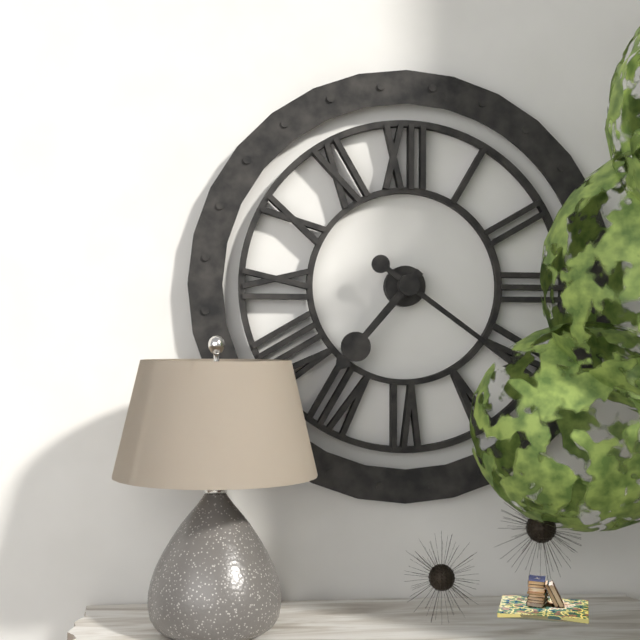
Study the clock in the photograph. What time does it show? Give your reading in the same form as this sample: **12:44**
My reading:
**7:21**
